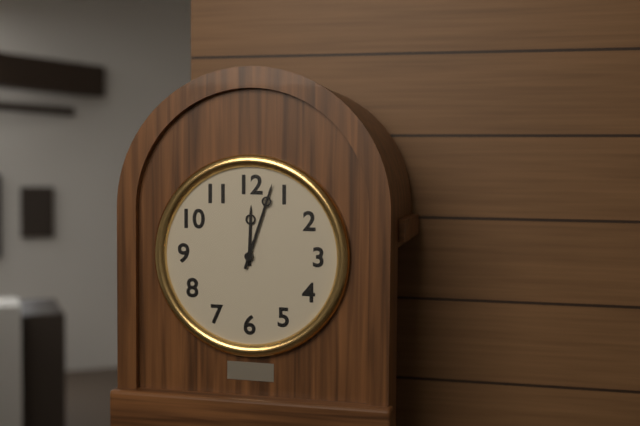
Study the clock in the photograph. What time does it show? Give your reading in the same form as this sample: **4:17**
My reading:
**12:03**
